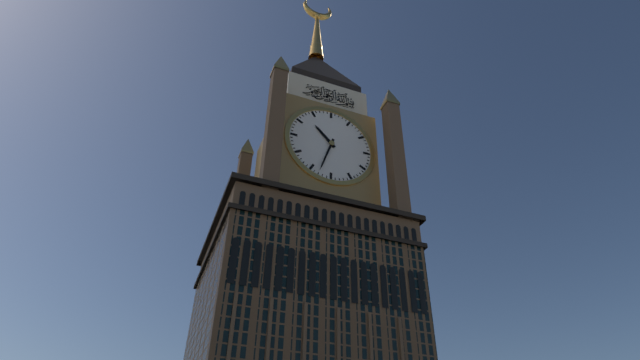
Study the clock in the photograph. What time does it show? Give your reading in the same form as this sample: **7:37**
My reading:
**10:33**
